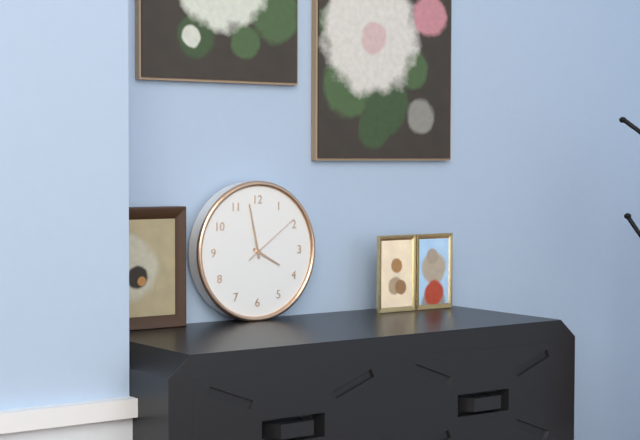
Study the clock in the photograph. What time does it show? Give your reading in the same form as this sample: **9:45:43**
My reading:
**3:58:09**
